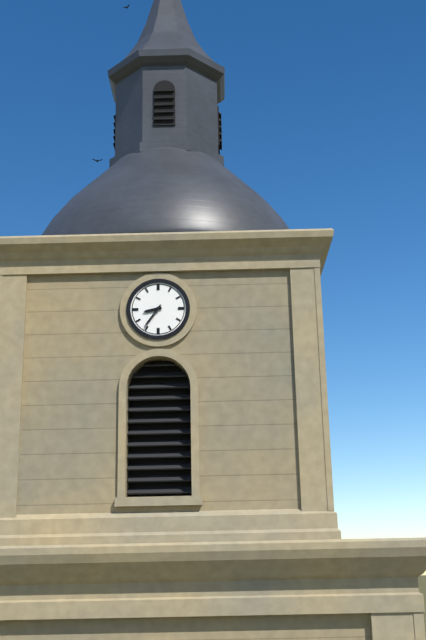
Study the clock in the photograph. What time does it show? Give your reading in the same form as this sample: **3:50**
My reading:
**8:36**
